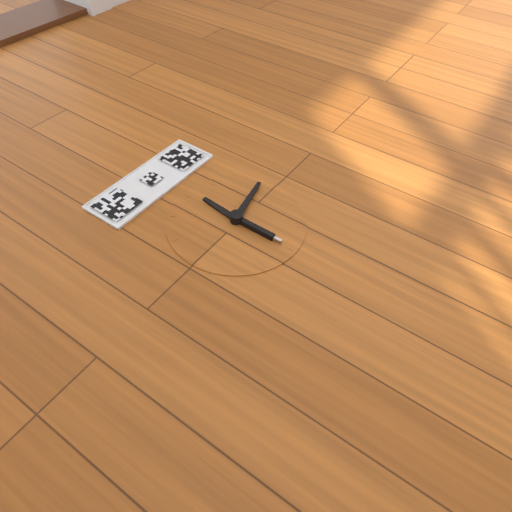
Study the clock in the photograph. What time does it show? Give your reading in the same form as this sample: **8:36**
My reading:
**12:13**
